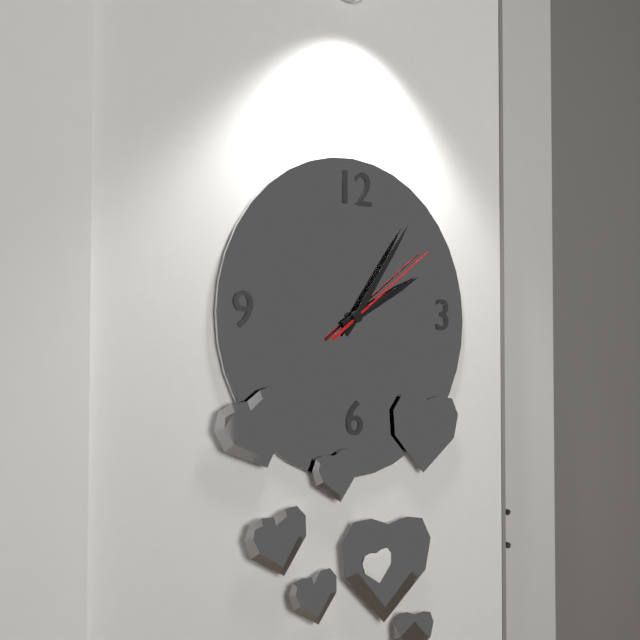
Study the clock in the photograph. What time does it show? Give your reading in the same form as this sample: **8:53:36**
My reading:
**2:06:09**
